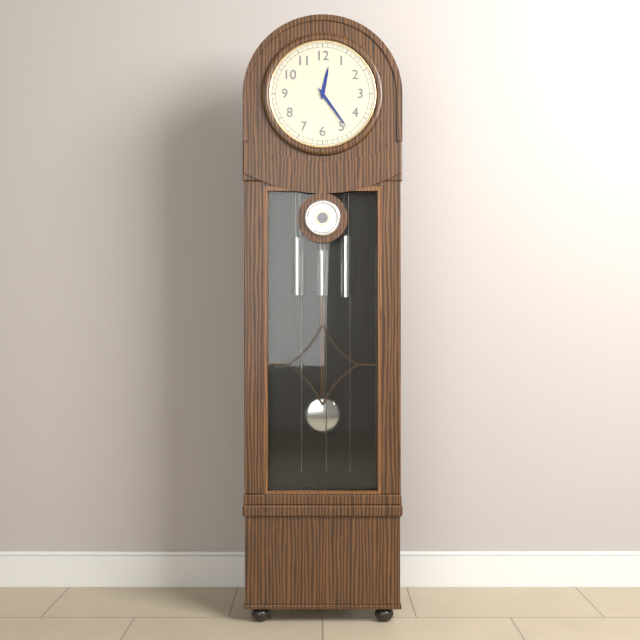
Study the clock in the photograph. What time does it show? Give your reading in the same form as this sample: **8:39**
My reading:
**12:24**
